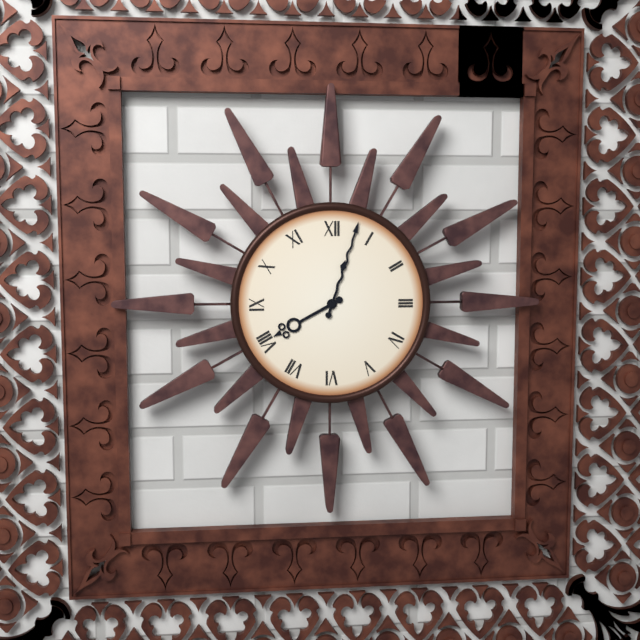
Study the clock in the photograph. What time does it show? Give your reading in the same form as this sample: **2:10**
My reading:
**8:03**
